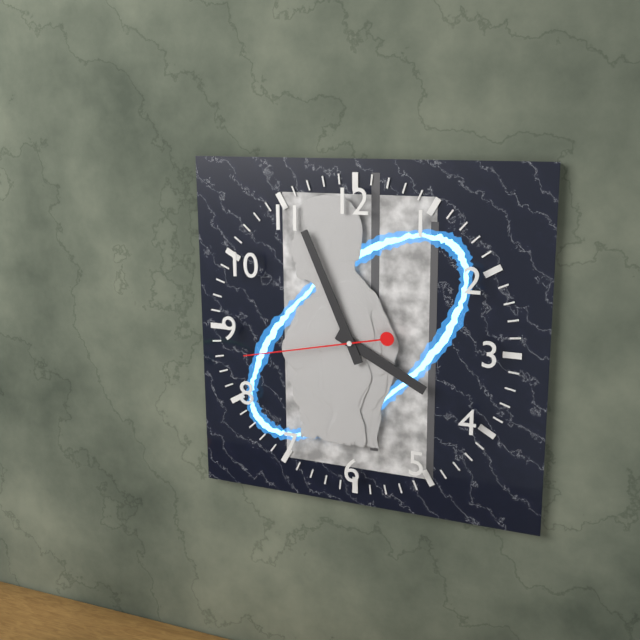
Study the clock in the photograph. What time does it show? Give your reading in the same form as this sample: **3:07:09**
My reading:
**3:56:43**
